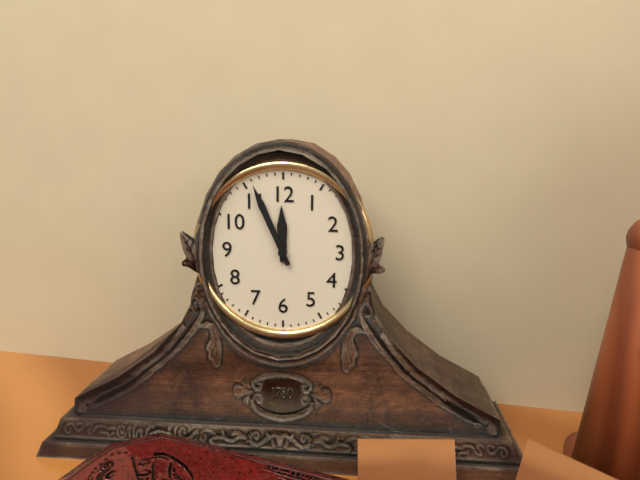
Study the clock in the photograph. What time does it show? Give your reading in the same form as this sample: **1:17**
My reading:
**11:56**
